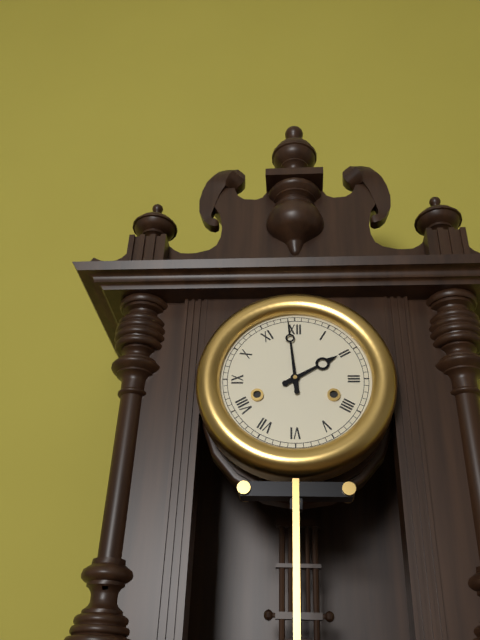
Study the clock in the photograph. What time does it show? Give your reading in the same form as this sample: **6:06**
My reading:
**1:59**
